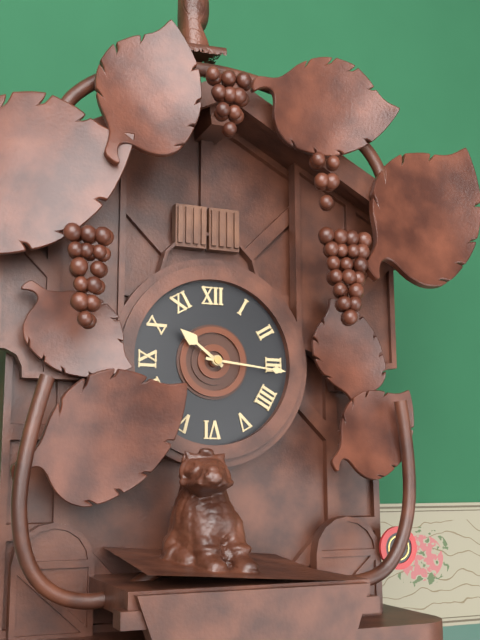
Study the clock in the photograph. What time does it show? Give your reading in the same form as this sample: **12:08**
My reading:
**10:16**
